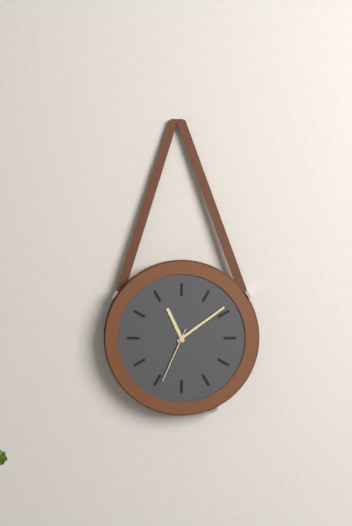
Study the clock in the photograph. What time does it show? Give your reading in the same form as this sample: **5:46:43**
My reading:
**11:09:34**
